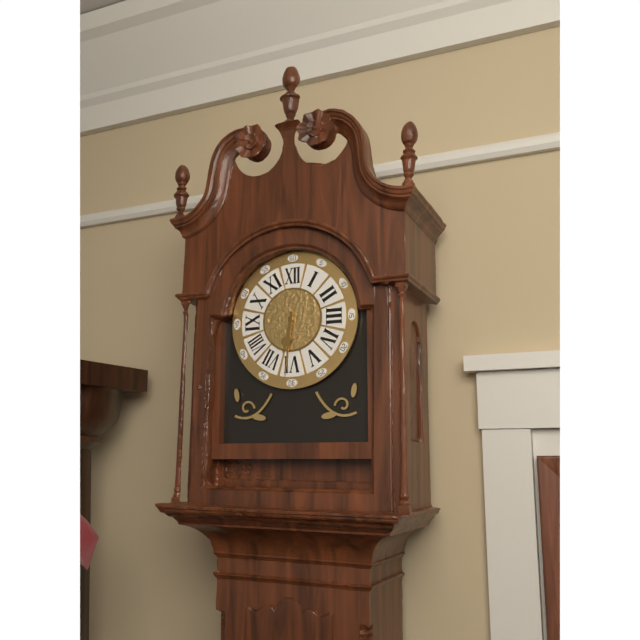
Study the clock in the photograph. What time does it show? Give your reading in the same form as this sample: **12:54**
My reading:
**6:31**
